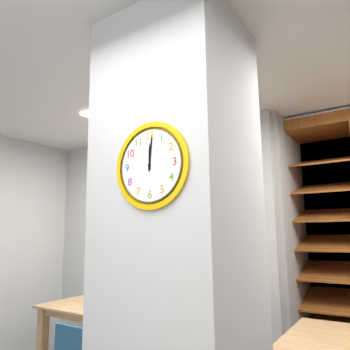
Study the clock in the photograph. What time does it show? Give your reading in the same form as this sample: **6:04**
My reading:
**12:01**
